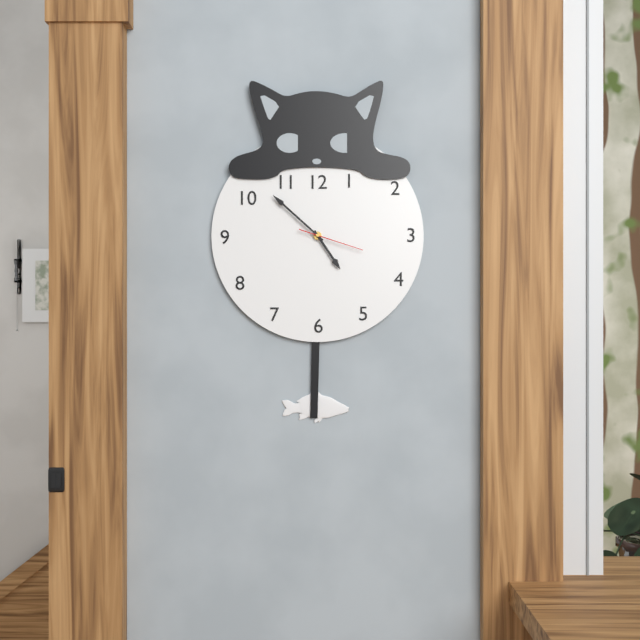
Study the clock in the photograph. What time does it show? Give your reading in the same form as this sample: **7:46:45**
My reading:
**4:52:18**
